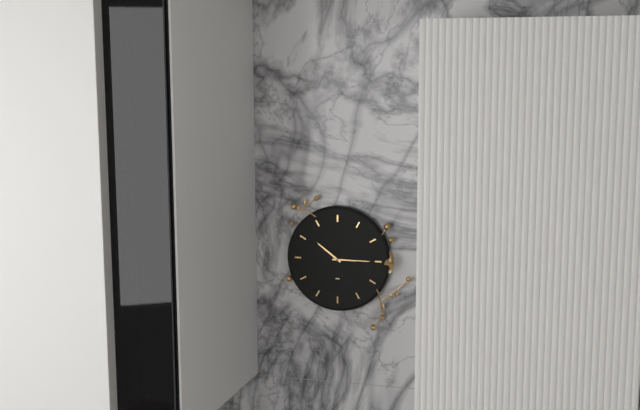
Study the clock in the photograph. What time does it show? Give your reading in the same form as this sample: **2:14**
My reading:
**10:15**
